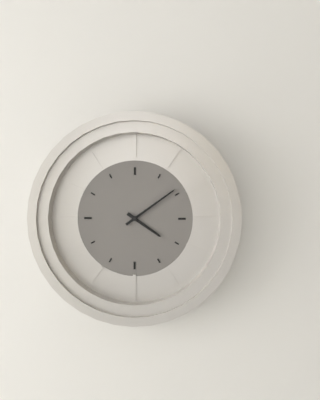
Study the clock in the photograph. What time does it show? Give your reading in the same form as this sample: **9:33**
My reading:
**4:09**
